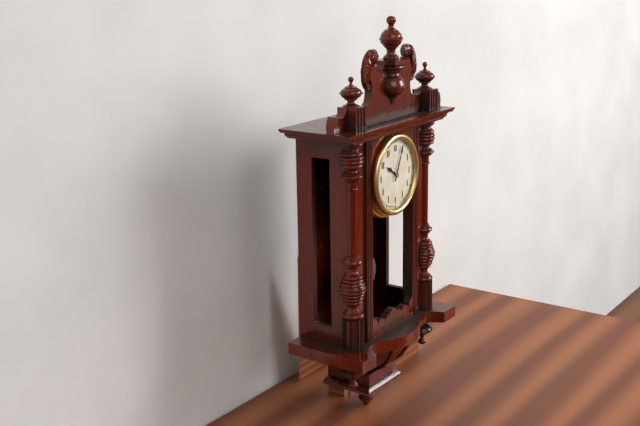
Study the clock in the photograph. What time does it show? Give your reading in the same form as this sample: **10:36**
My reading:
**10:04**
